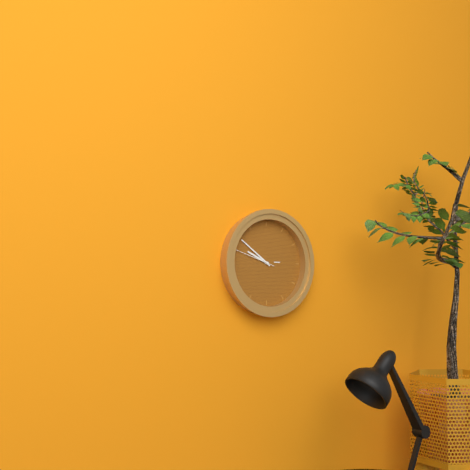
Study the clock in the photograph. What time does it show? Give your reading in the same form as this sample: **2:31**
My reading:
**9:51**
